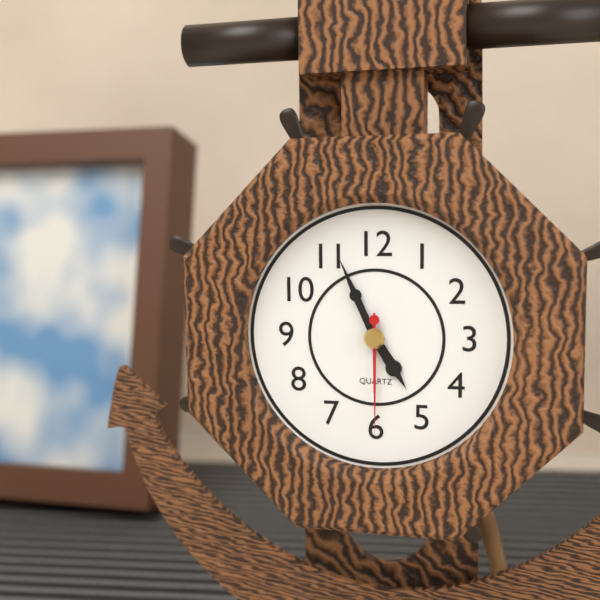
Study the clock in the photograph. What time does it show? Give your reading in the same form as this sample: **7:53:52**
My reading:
**4:56:30**
